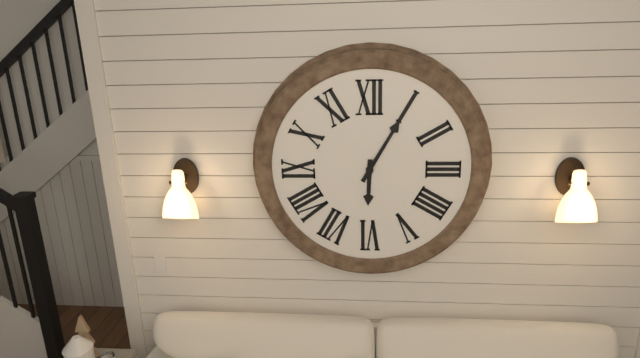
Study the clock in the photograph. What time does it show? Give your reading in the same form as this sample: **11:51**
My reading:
**6:05**
